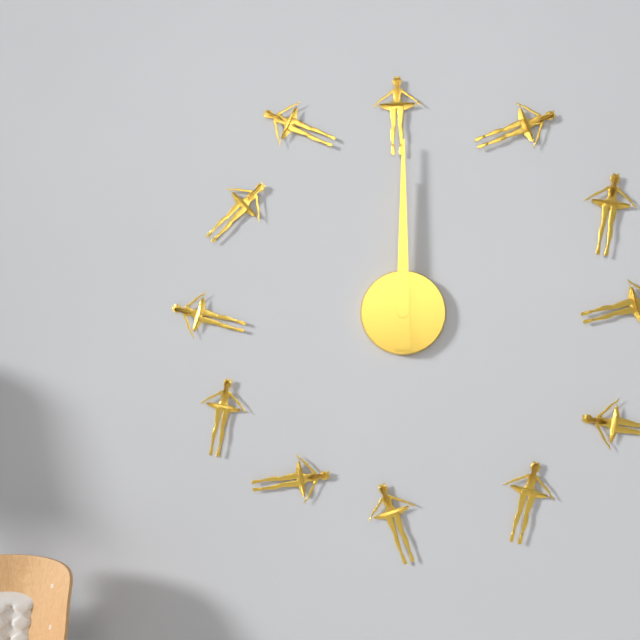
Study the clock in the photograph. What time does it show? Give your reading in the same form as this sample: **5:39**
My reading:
**12:00**
